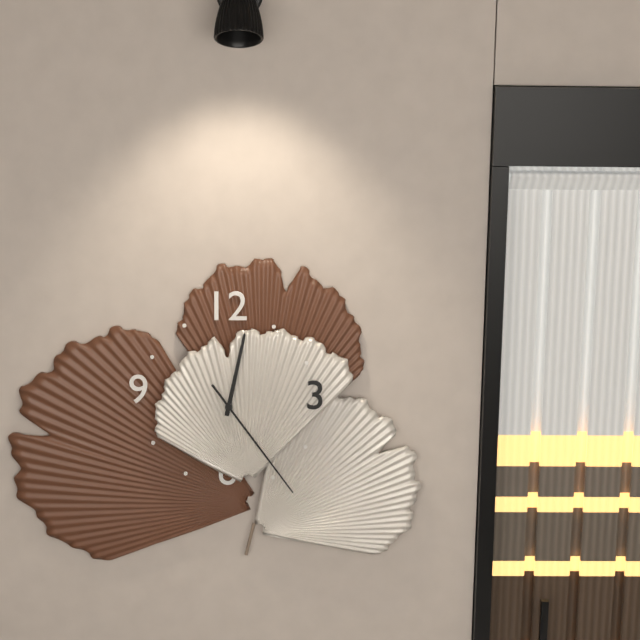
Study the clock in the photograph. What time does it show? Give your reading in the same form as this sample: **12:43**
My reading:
**12:24**
